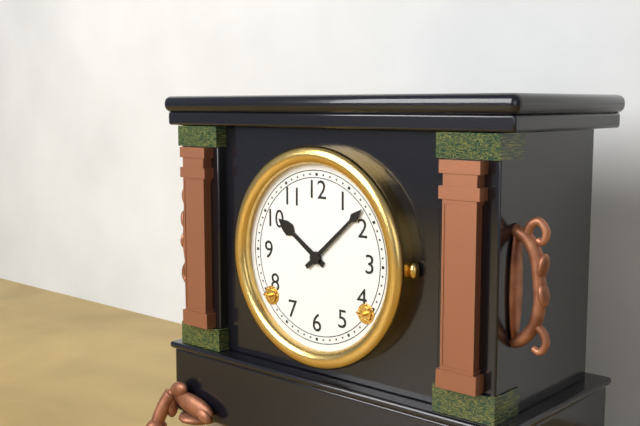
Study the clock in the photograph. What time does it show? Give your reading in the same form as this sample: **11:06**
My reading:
**10:08**
